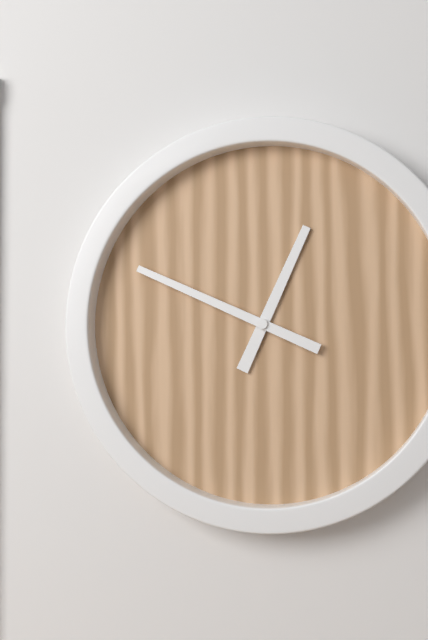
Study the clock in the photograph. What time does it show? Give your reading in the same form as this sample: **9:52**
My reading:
**12:49**
